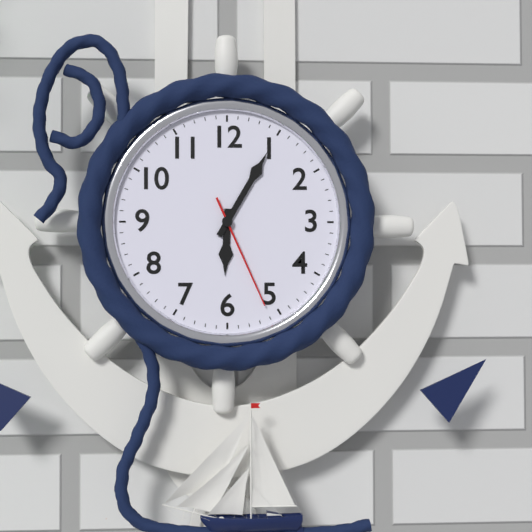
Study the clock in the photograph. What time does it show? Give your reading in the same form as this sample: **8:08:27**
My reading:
**6:05:26**
